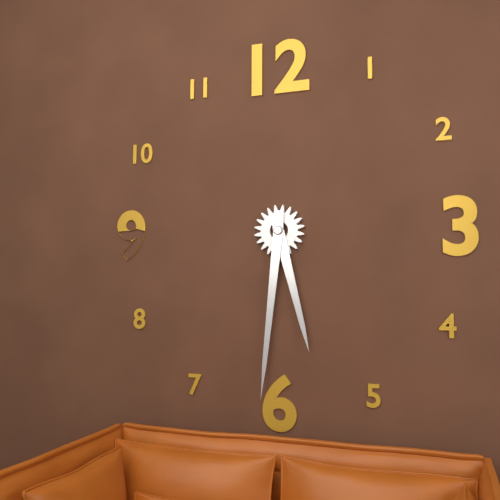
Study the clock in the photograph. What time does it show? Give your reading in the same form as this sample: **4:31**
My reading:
**5:31**
